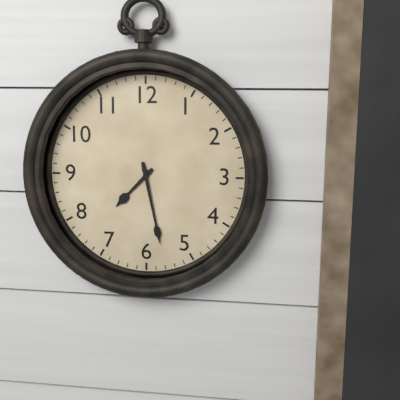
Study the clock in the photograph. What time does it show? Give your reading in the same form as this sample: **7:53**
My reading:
**7:28**
